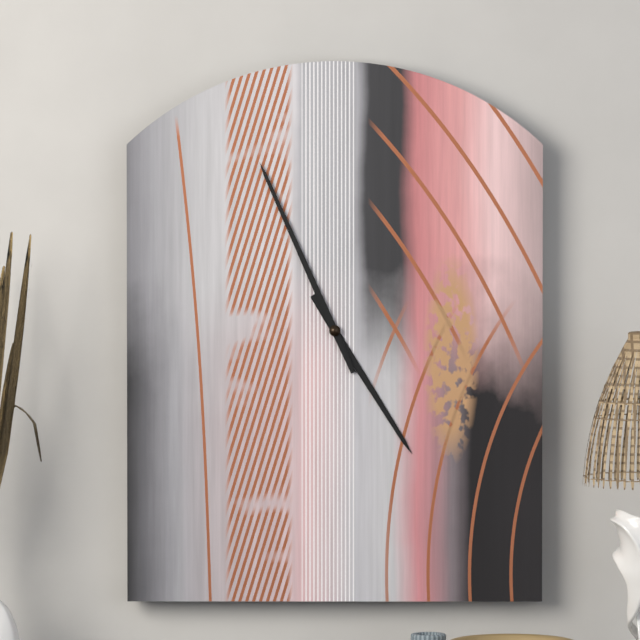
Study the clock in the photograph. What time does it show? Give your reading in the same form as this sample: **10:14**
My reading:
**4:56**
